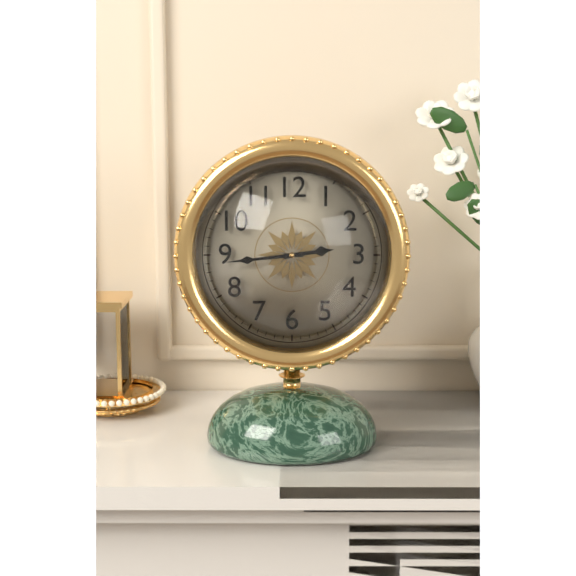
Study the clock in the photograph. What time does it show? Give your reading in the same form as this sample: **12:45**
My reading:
**2:44**
